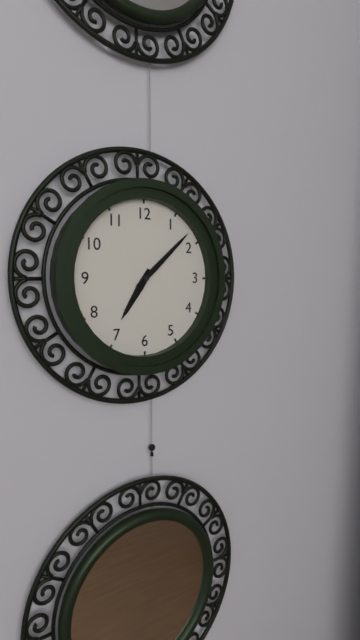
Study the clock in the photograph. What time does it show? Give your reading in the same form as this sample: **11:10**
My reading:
**7:08**
